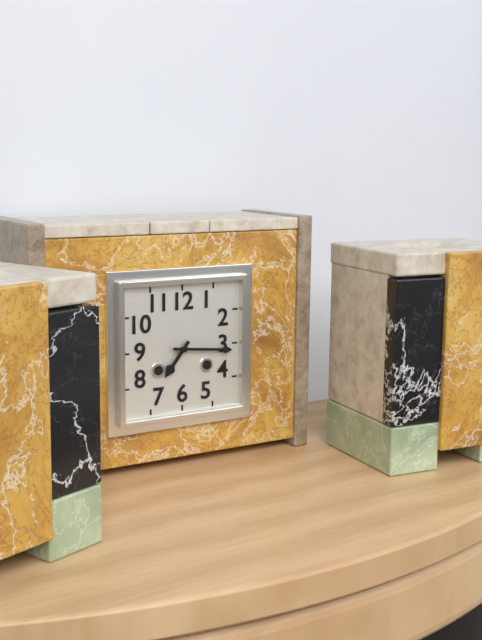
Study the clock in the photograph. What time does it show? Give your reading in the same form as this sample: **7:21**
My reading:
**7:16**
